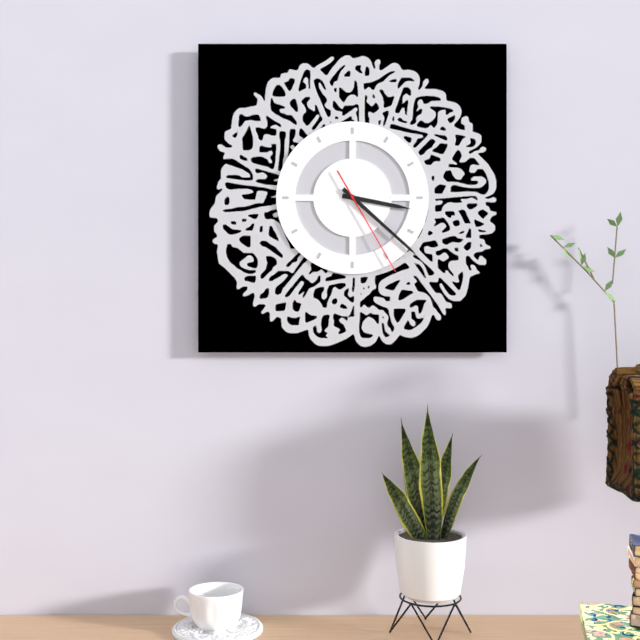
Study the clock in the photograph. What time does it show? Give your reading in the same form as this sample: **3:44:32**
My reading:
**3:22:25**
